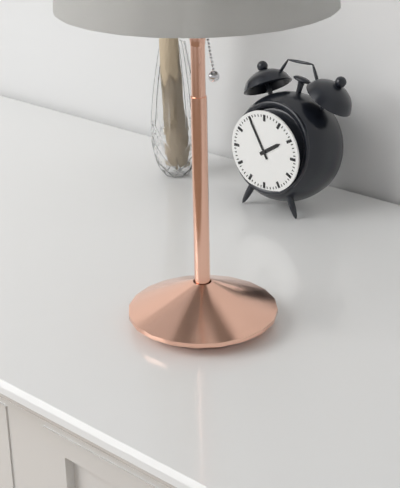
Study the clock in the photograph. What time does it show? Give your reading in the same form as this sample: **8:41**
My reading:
**1:55**
